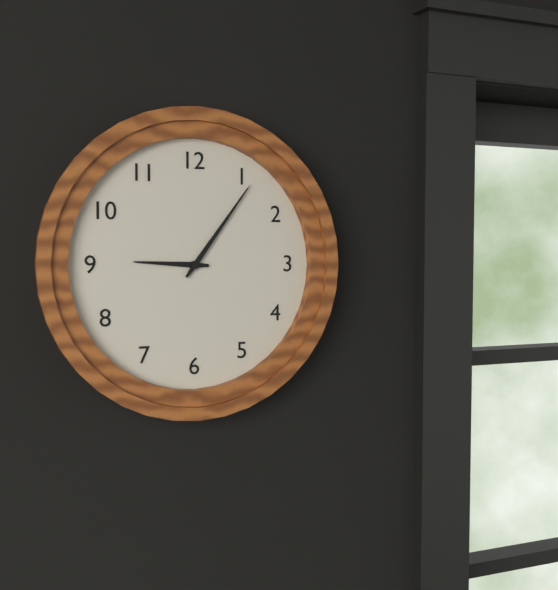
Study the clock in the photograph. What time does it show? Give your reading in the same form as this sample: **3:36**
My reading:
**9:06**
